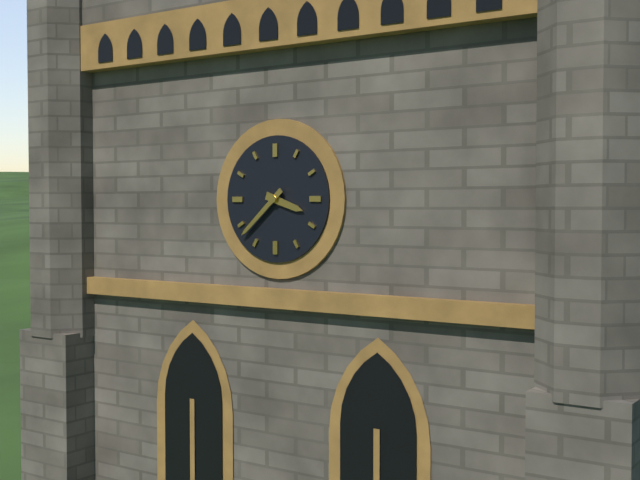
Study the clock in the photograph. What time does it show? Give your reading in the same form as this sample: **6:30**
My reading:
**3:38**
